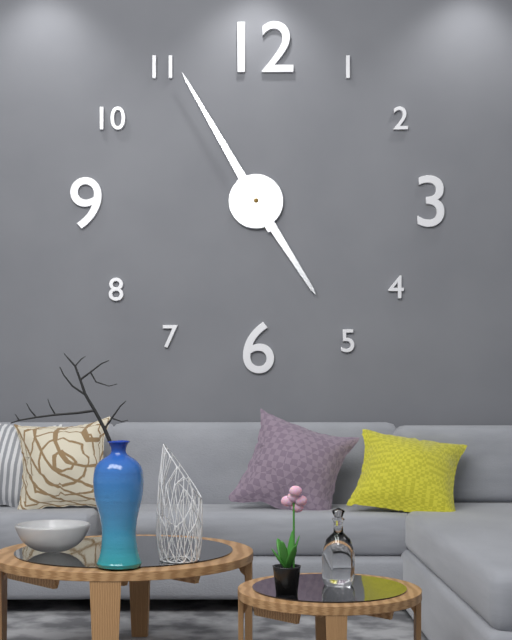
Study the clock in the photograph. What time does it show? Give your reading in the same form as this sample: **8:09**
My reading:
**4:55**
